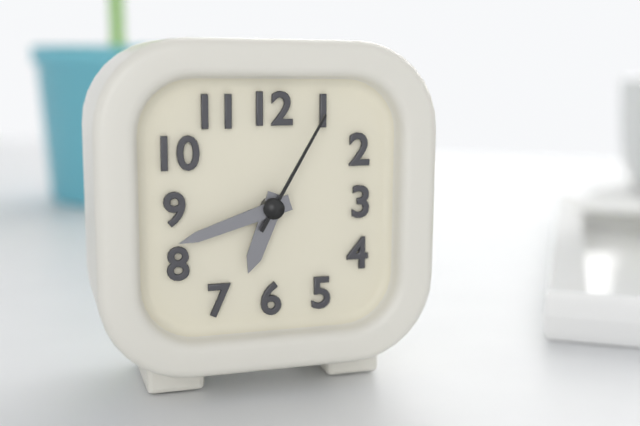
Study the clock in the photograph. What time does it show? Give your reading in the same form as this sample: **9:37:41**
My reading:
**6:42:05**
